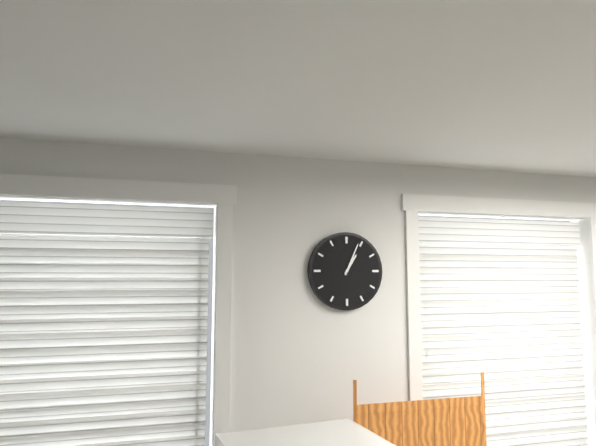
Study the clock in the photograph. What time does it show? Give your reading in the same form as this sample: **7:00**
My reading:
**1:04**
